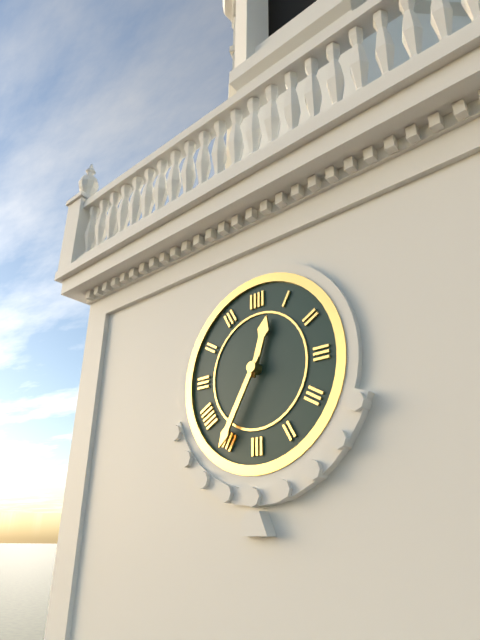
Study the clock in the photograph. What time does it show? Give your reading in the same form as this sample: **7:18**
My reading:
**12:35**
